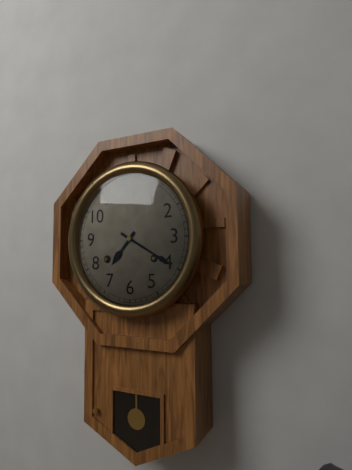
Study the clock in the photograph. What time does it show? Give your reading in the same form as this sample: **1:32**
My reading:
**7:20**
